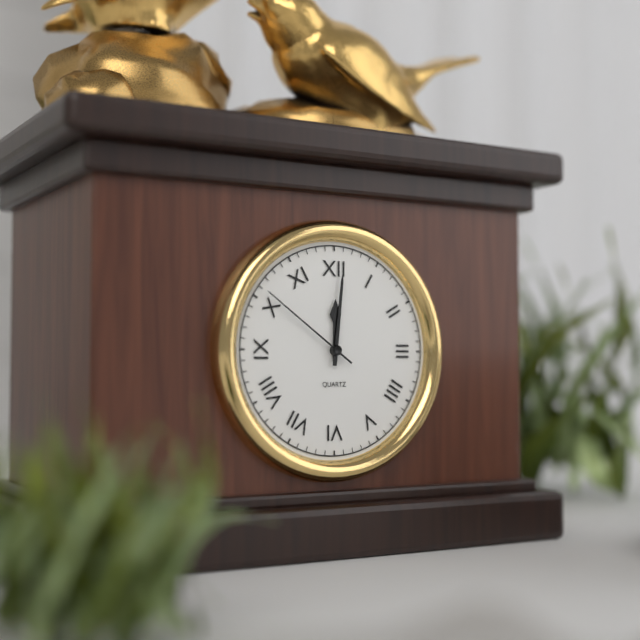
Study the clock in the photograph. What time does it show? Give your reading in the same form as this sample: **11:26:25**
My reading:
**12:01:51**
